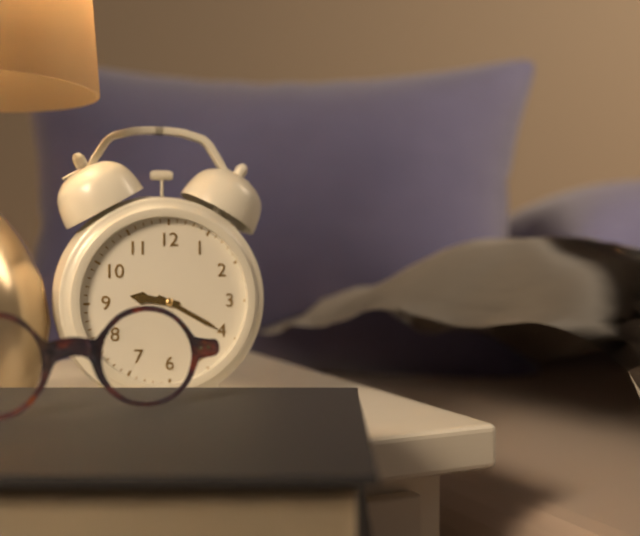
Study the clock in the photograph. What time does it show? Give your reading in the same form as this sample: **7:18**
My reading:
**9:20**
